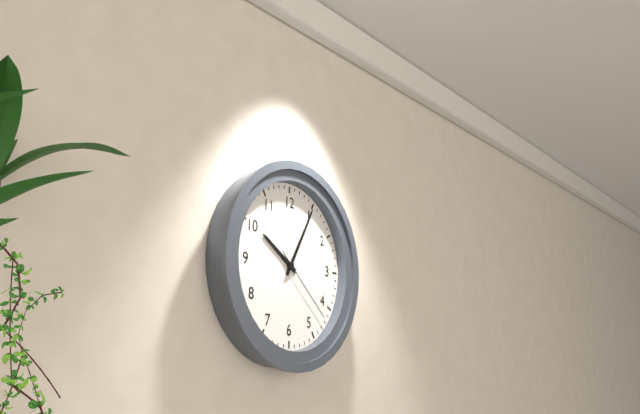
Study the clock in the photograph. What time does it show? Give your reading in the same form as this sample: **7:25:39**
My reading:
**10:05:22**
